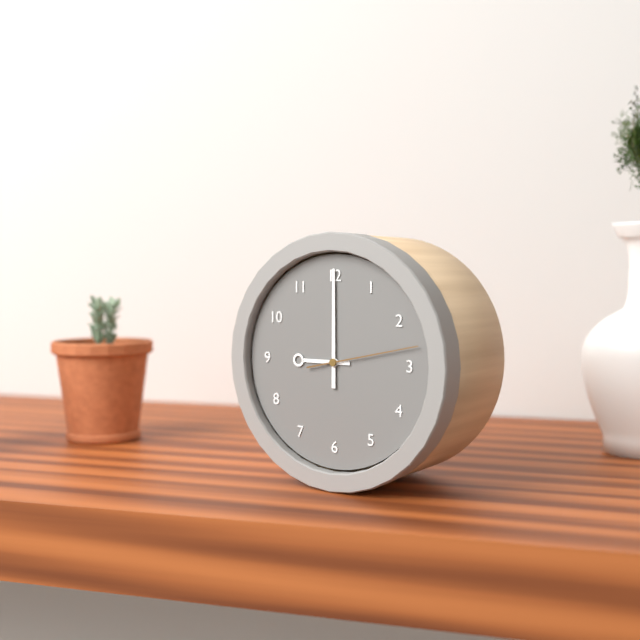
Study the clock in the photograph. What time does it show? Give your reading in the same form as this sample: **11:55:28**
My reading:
**9:00:13**
